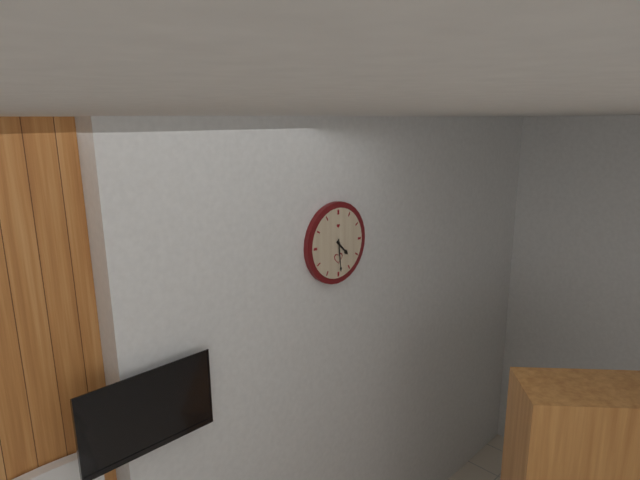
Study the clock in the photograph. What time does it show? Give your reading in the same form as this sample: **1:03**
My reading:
**4:29**
